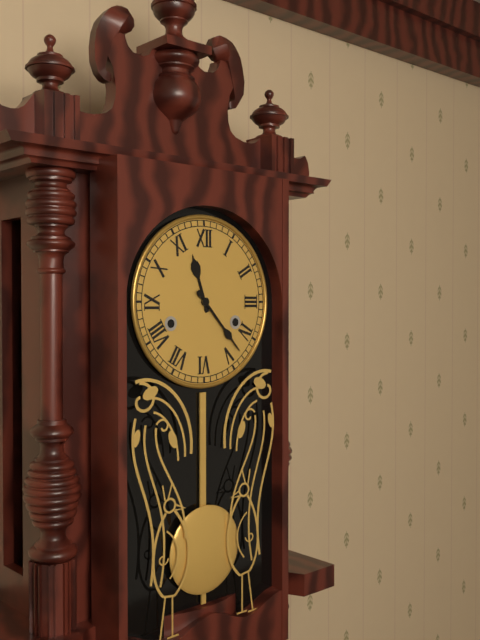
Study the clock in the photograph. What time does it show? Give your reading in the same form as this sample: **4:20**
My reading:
**11:23**
